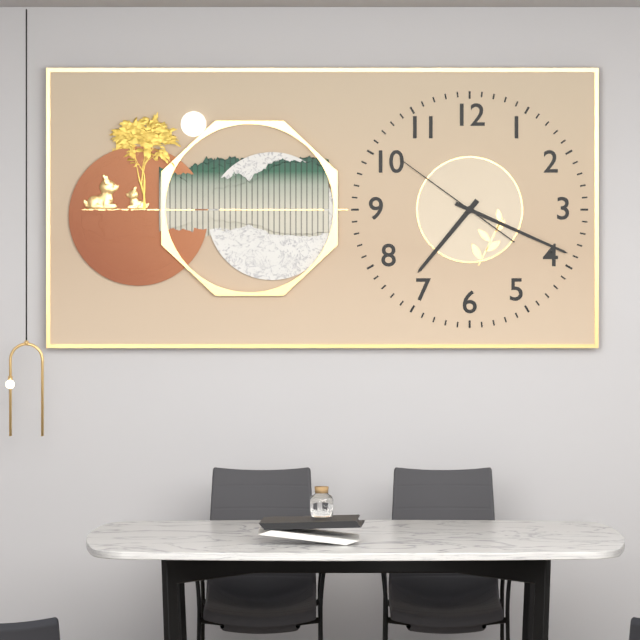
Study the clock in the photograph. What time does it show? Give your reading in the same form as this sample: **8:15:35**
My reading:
**7:19:51**
